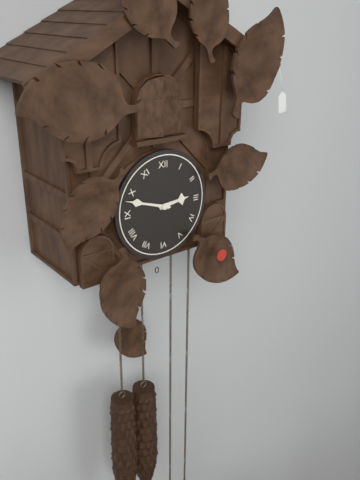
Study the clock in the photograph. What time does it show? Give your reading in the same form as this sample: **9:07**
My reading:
**2:48**
